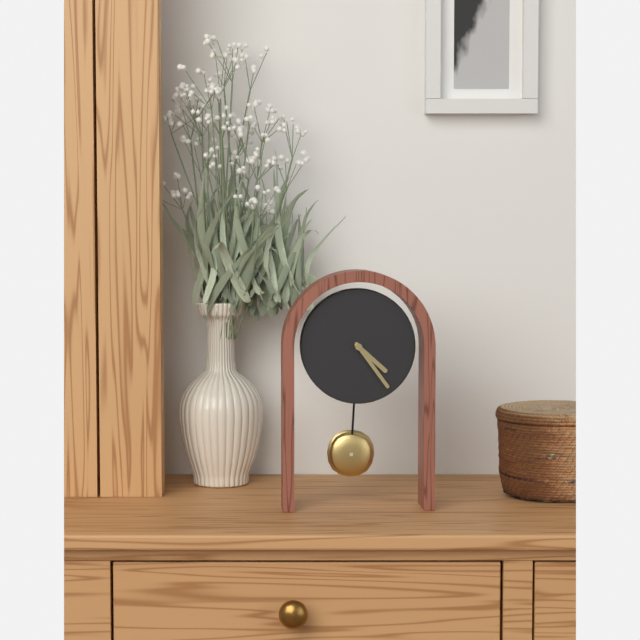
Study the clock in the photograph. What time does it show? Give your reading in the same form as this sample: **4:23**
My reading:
**4:24**
